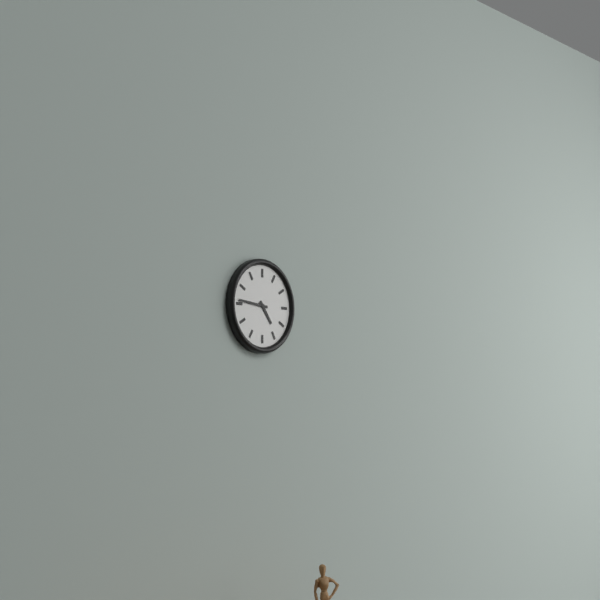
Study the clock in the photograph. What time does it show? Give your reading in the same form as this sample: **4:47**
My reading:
**4:46**
